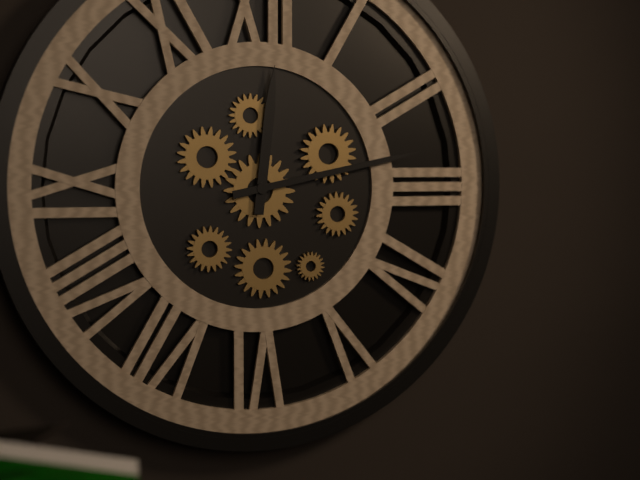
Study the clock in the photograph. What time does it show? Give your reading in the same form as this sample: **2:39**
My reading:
**12:13**
